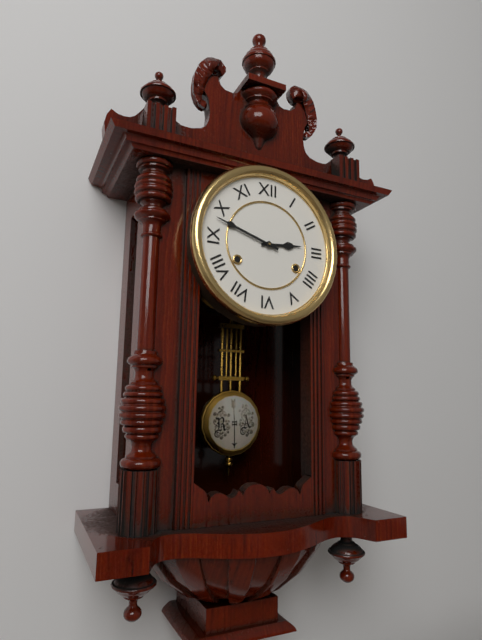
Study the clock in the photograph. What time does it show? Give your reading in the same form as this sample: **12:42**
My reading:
**2:48**
